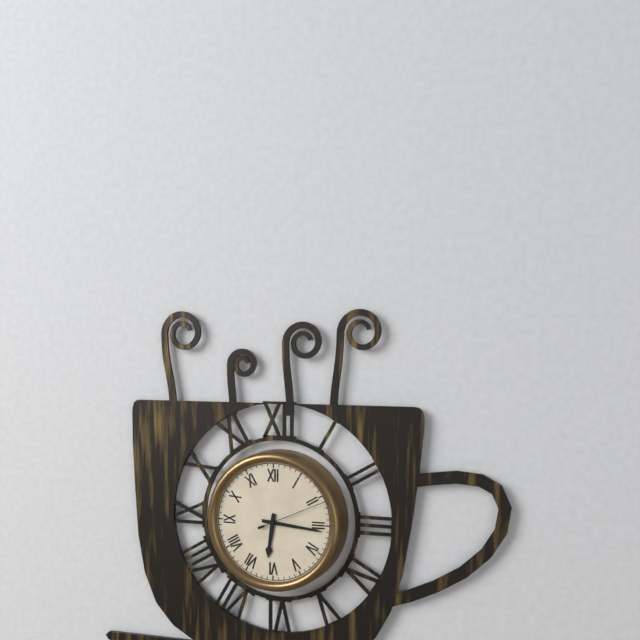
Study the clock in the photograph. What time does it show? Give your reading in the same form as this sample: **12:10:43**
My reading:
**6:16:11**
